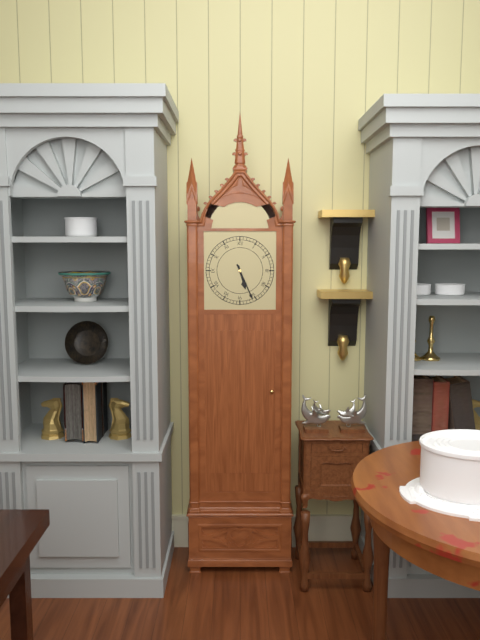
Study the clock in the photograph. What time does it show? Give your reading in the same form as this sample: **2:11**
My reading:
**5:26**
